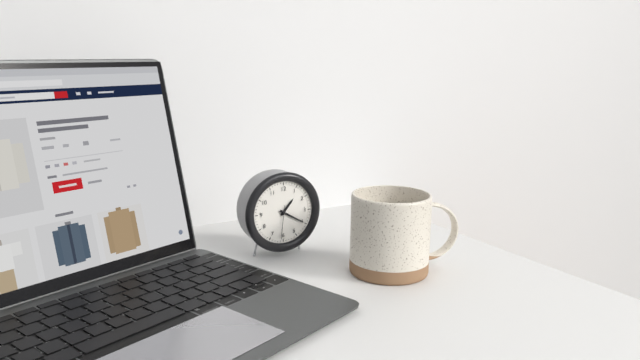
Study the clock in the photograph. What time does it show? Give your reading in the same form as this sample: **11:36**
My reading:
**1:20**
